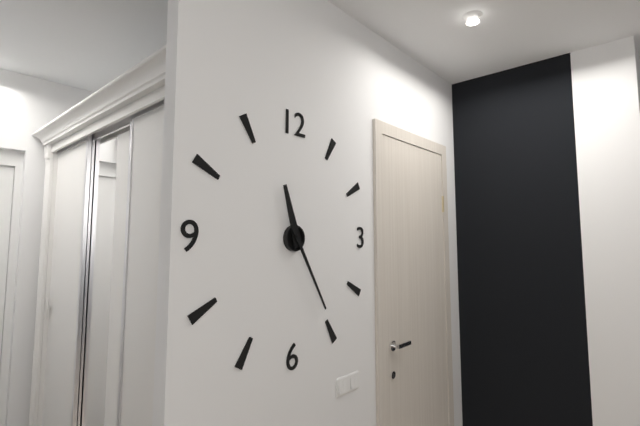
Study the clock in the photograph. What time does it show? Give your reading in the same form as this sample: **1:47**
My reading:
**11:25**
